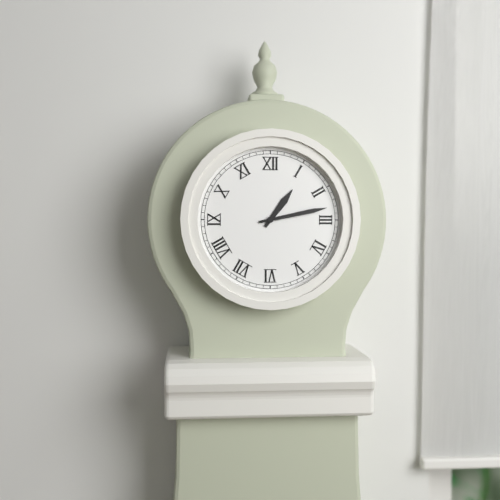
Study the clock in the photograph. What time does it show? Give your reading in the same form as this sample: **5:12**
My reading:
**1:13**
